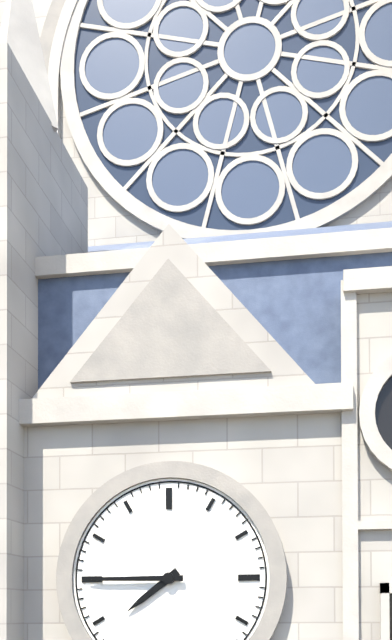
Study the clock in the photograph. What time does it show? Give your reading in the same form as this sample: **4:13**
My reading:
**7:45**
